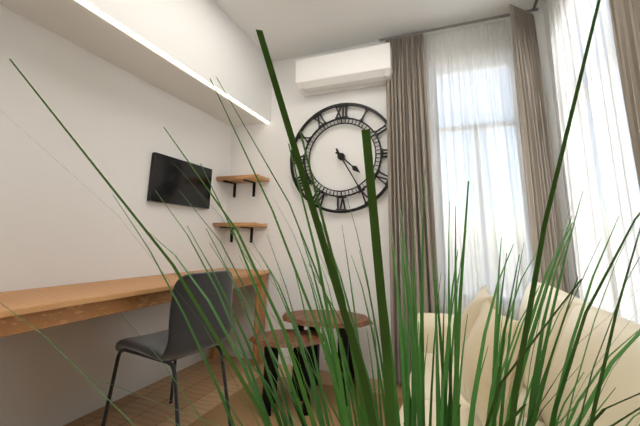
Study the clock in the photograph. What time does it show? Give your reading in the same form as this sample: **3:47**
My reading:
**4:25**
